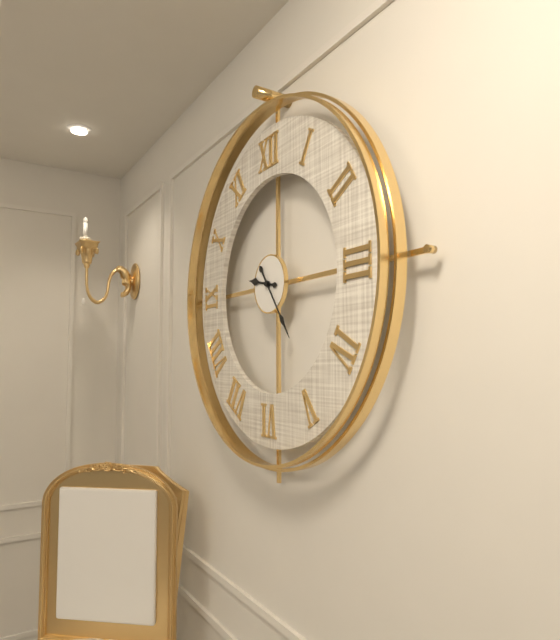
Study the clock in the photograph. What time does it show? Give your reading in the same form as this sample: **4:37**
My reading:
**9:24**
